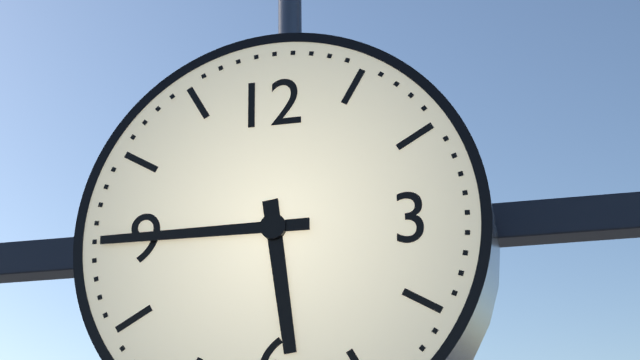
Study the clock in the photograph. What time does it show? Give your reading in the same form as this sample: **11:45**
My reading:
**5:45**
